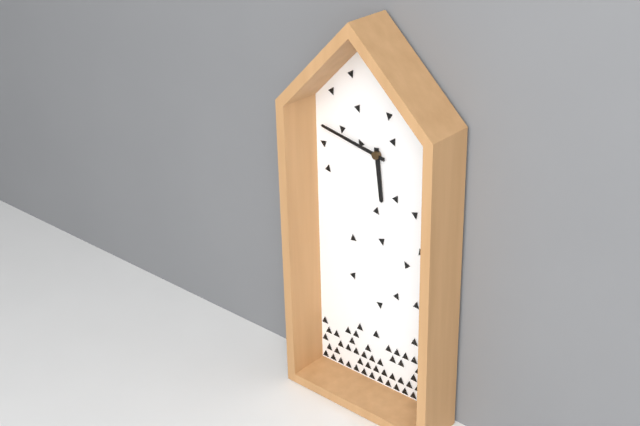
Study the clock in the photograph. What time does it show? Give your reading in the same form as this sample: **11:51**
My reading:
**5:47**
